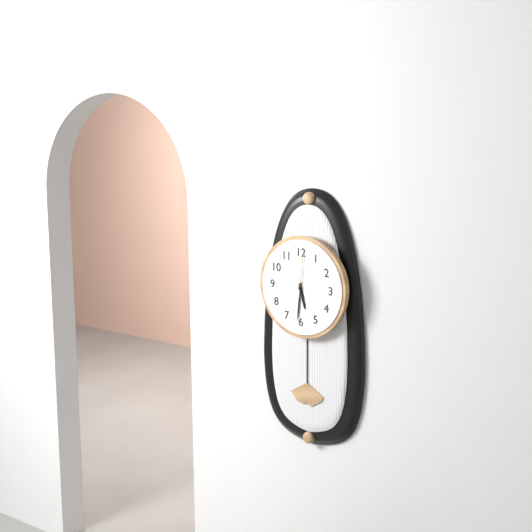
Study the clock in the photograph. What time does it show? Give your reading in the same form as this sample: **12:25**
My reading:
**5:31**
